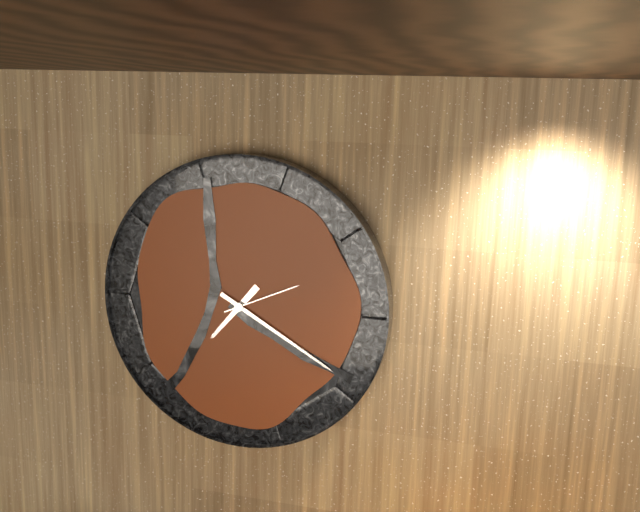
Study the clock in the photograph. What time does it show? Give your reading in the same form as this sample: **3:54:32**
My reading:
**7:20:11**
